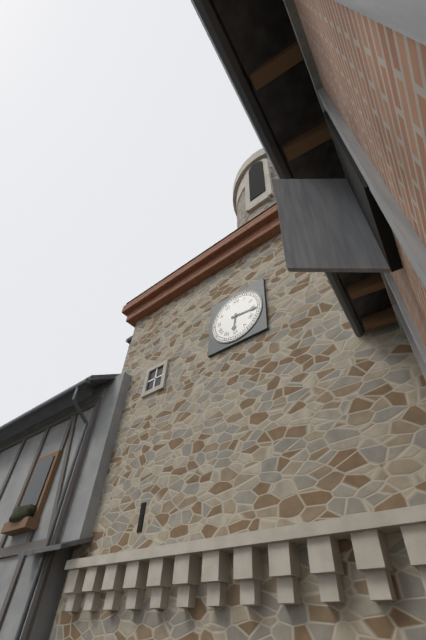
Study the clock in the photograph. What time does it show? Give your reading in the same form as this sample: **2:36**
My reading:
**6:16**
